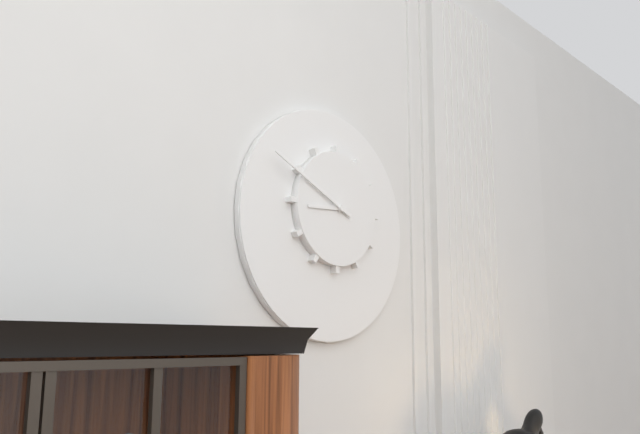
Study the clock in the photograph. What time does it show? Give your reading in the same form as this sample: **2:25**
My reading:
**8:49**
